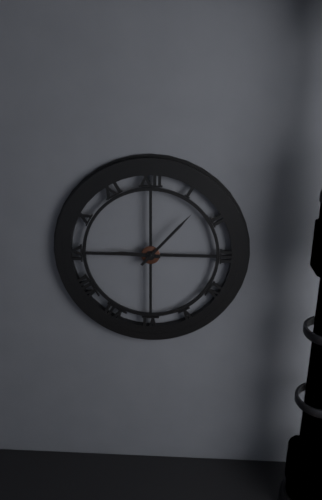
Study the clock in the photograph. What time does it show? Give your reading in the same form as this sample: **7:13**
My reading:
**9:07**
